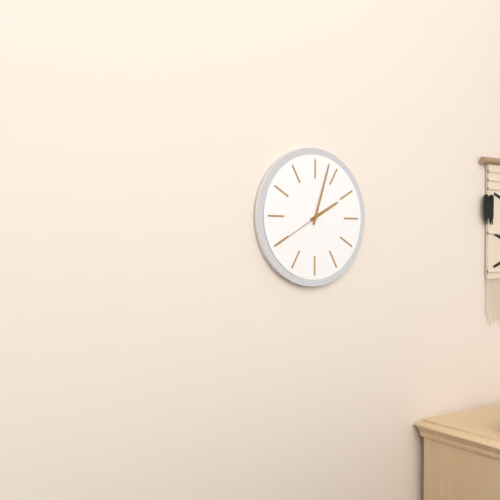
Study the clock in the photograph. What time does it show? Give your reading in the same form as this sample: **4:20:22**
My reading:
**2:03:40**
